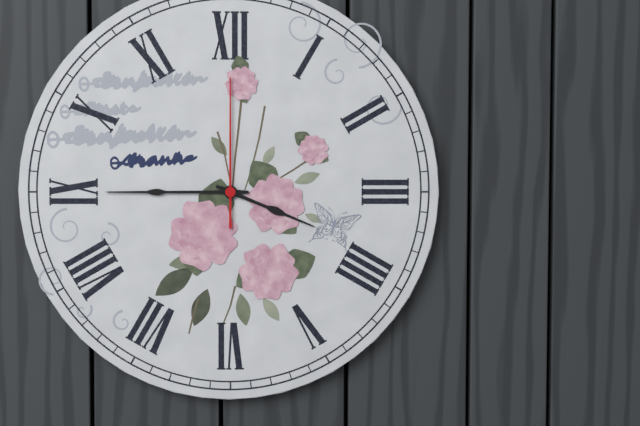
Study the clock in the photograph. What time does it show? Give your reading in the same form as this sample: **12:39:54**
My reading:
**3:45:00**
